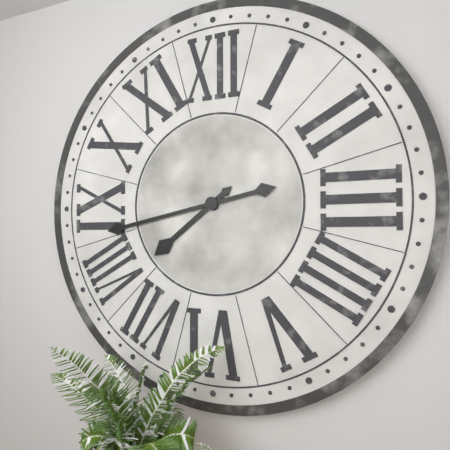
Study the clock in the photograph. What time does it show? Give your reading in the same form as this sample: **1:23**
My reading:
**7:43**
